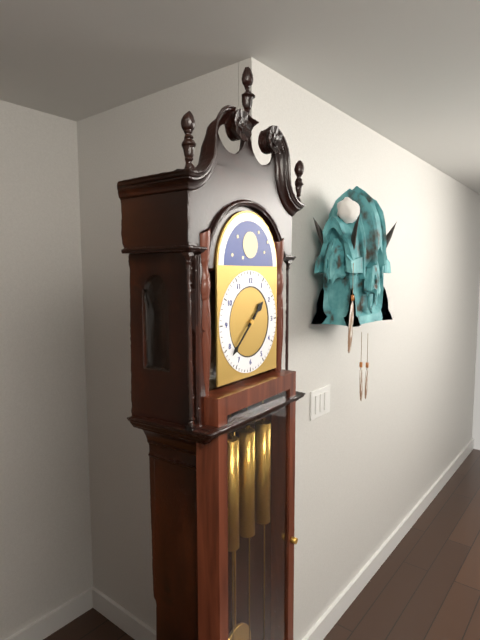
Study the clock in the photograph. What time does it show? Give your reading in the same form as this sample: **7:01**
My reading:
**1:38**
